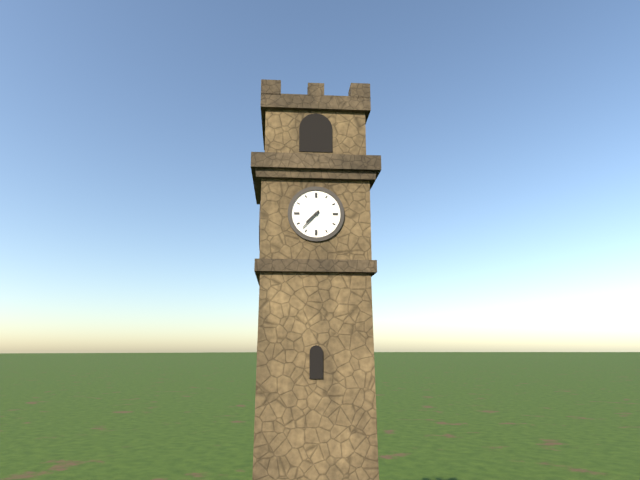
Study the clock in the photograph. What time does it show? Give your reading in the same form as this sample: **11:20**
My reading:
**7:37**
